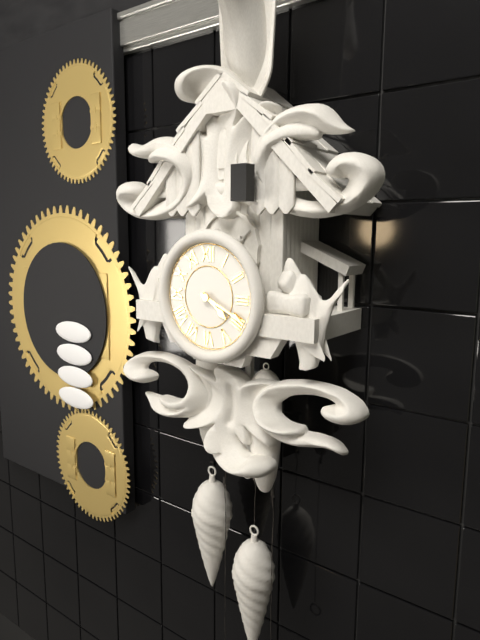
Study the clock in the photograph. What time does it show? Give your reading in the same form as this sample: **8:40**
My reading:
**4:19**
